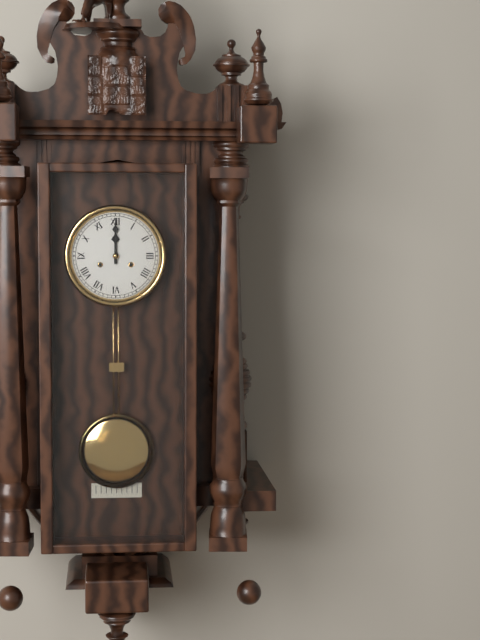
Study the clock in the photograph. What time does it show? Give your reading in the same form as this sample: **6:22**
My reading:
**12:00**
